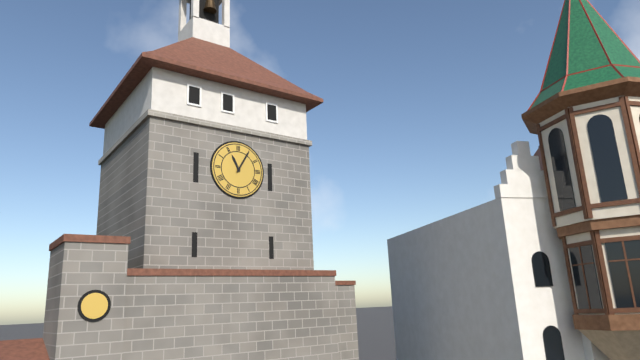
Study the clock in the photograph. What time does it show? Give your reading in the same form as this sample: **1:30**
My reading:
**11:05**
